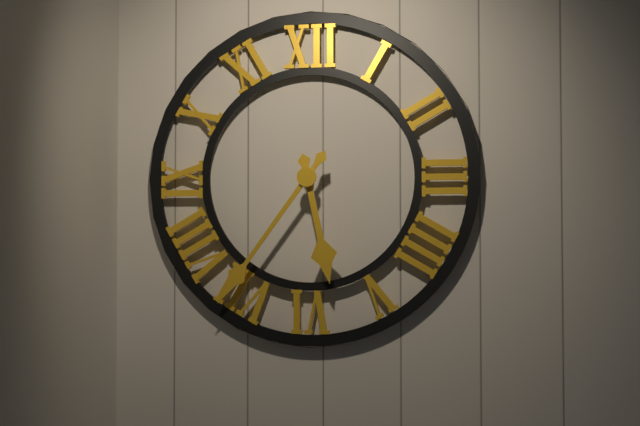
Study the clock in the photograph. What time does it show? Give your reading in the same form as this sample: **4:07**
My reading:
**5:36**
